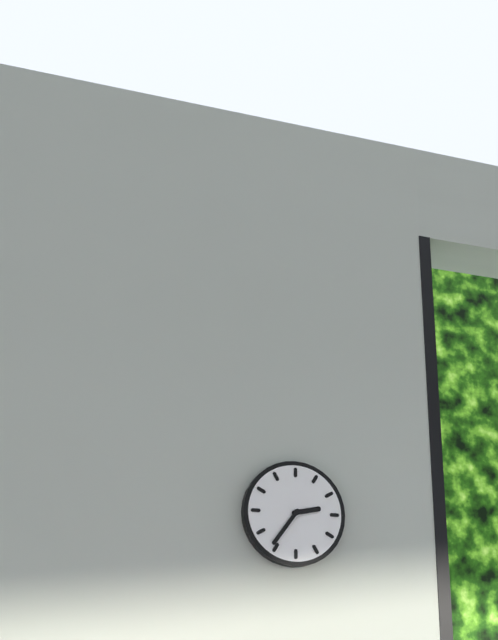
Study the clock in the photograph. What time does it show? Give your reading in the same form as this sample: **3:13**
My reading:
**2:36**
